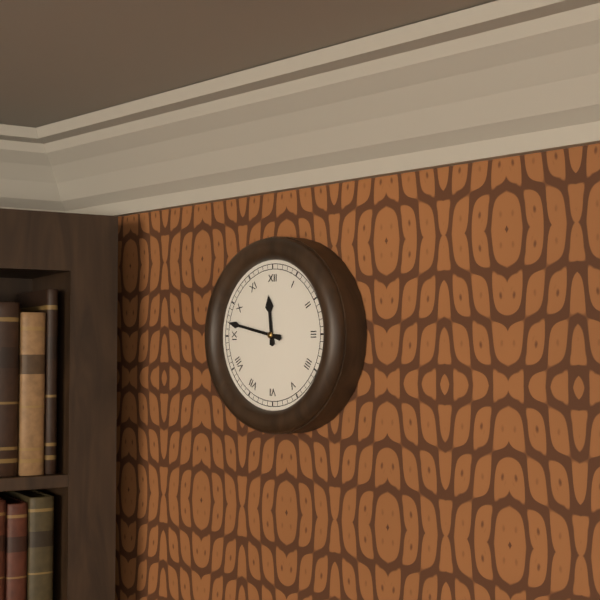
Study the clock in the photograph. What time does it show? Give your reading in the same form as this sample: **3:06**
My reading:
**11:47**
